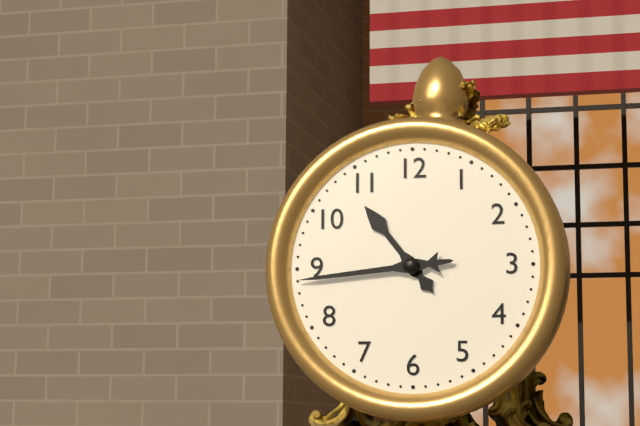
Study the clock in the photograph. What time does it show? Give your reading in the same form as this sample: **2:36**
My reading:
**10:44**
